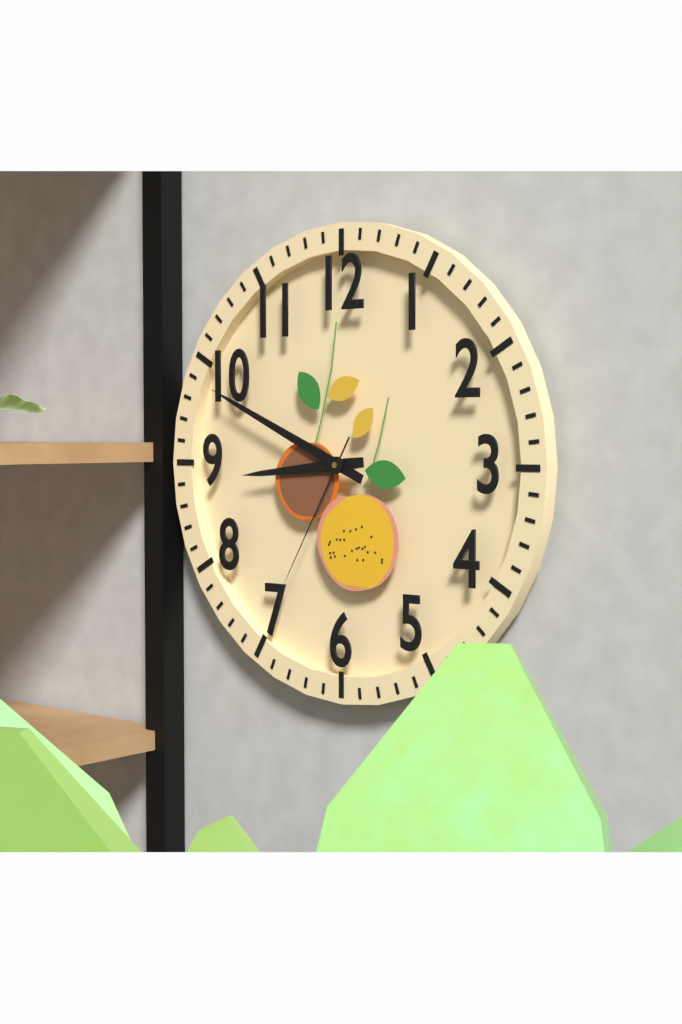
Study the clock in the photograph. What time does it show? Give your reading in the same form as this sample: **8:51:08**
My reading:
**8:49:35**
